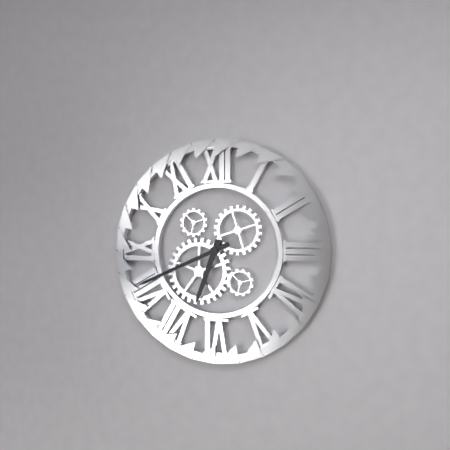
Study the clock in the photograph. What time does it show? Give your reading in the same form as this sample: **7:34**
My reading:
**6:41**
